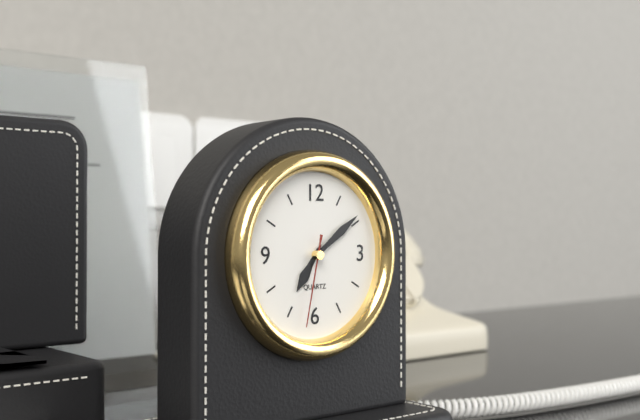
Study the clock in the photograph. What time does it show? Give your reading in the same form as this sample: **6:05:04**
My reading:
**7:09:32**
